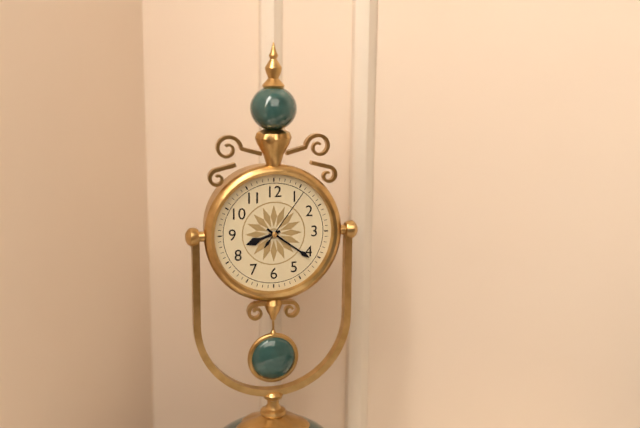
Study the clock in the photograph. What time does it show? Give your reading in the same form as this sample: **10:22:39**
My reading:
**8:21:06**
